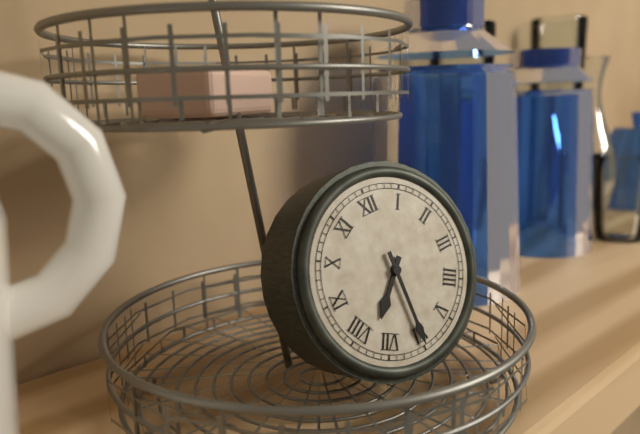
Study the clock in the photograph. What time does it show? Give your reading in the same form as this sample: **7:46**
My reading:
**7:30**
